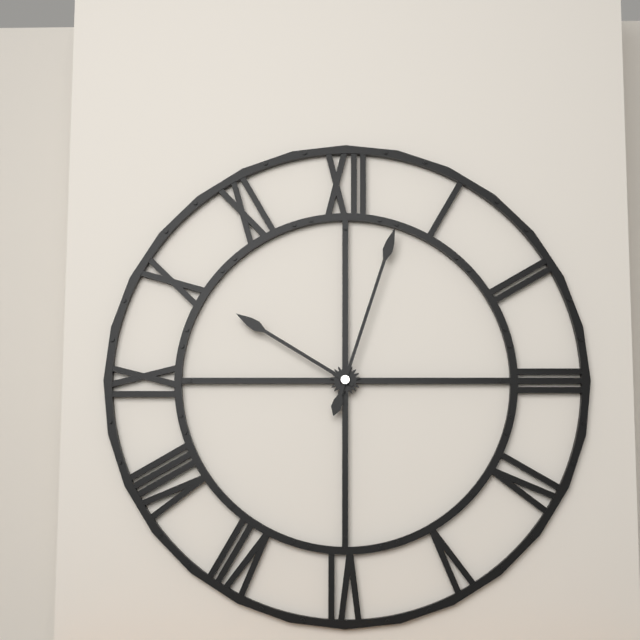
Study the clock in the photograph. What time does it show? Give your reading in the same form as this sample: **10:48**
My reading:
**10:03**
